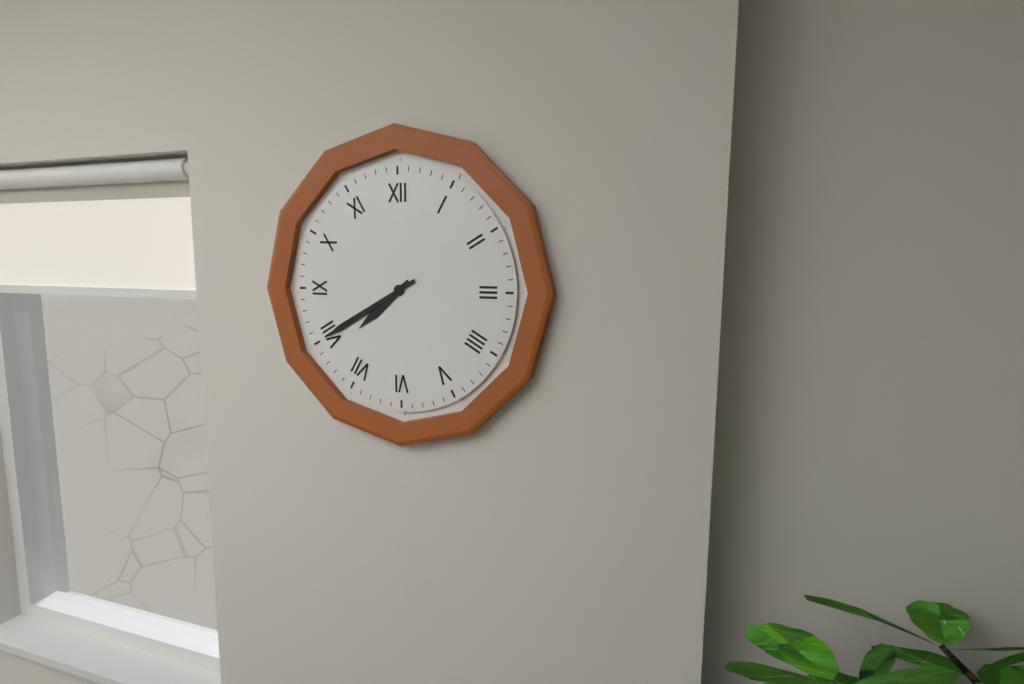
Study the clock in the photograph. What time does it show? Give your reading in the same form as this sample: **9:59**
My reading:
**7:40**
